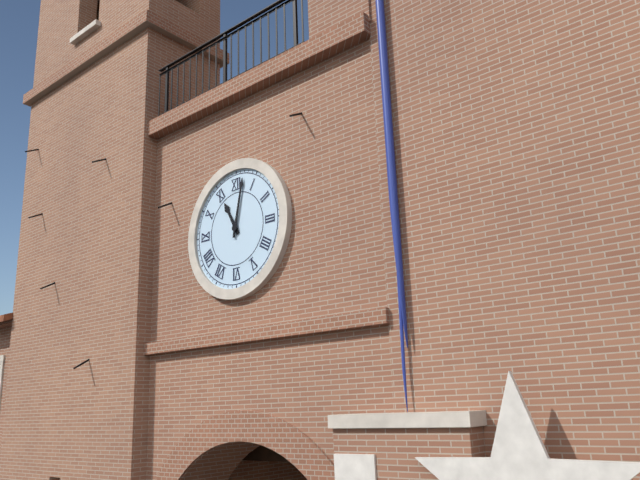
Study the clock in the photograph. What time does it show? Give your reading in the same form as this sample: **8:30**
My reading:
**11:02**
